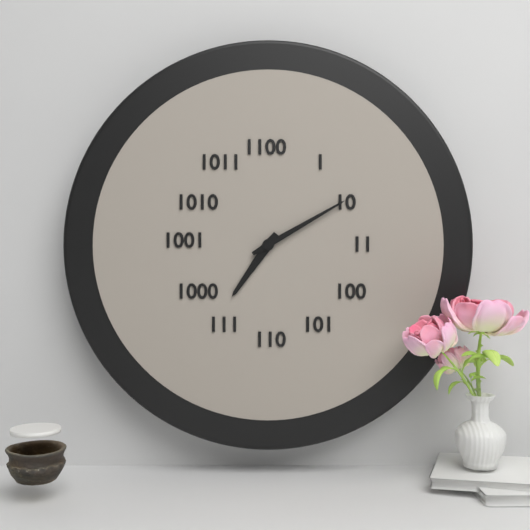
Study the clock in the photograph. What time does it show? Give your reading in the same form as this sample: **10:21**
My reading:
**7:10**
